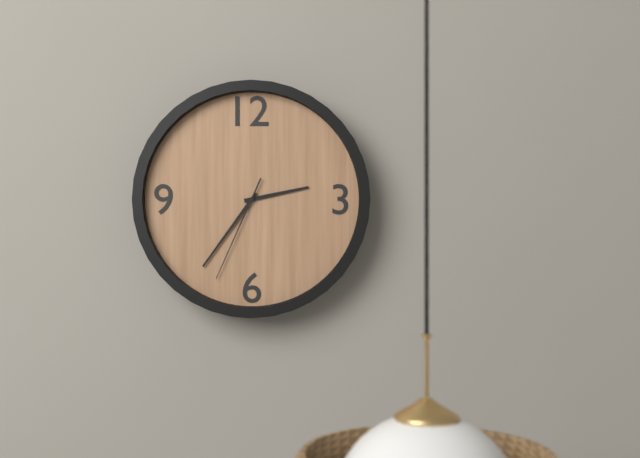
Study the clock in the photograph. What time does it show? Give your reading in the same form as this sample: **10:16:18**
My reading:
**2:36:34**
